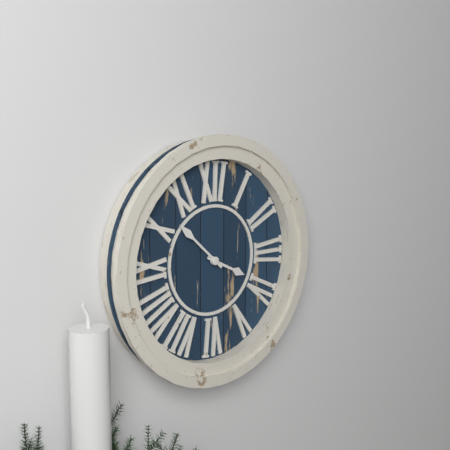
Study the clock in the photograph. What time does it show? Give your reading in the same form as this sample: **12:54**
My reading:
**3:52**
